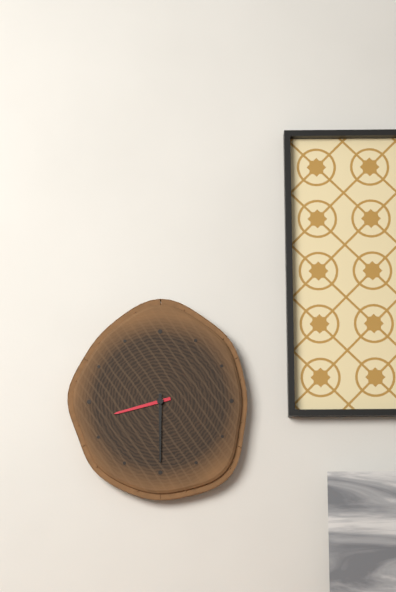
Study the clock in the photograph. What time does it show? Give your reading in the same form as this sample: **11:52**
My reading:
**8:30**
